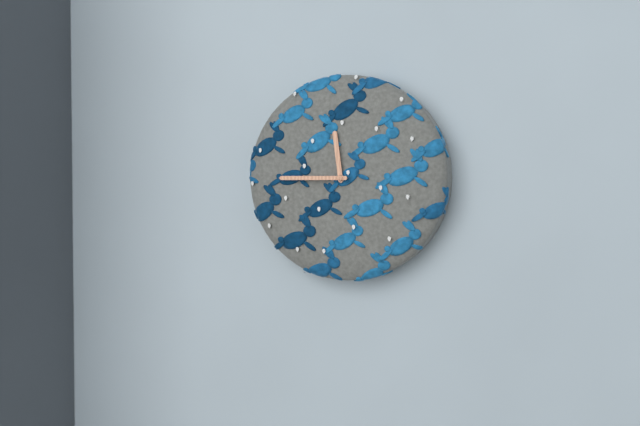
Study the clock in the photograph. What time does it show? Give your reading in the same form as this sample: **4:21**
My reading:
**11:45**
